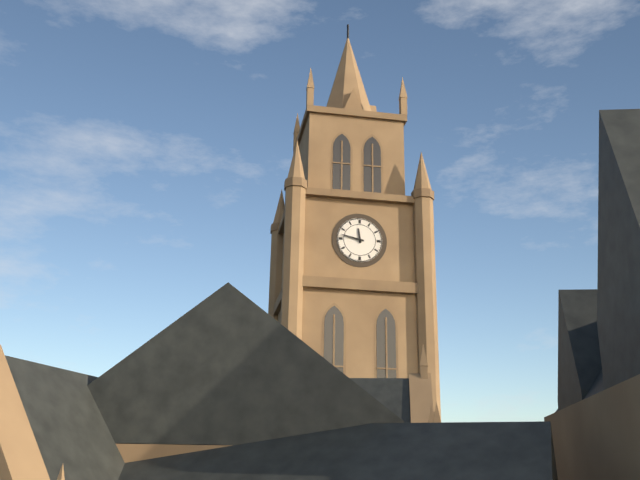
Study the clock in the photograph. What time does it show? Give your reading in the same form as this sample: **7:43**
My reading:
**11:47**
